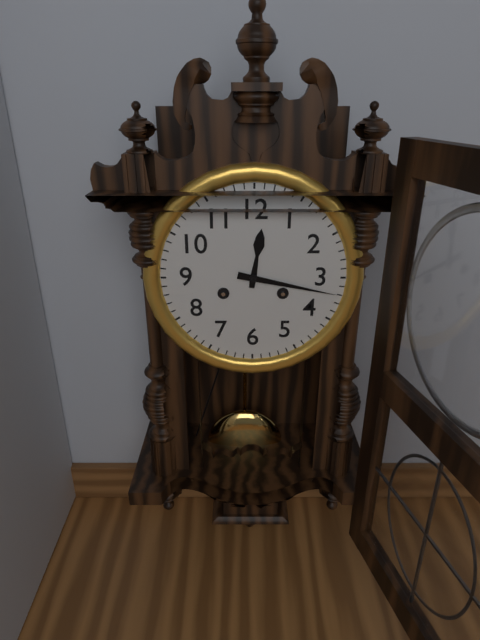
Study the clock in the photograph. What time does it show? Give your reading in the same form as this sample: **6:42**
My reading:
**12:17**
